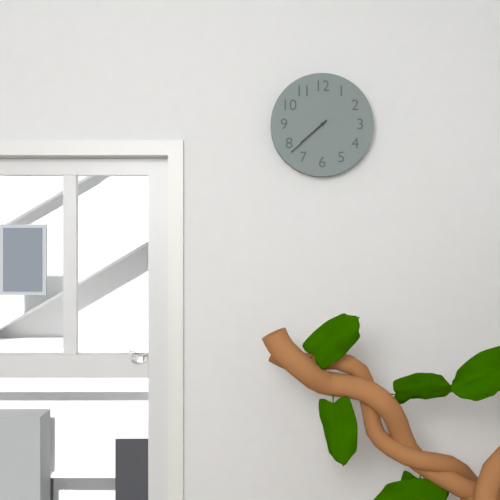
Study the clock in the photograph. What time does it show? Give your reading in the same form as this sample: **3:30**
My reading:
**7:38**
